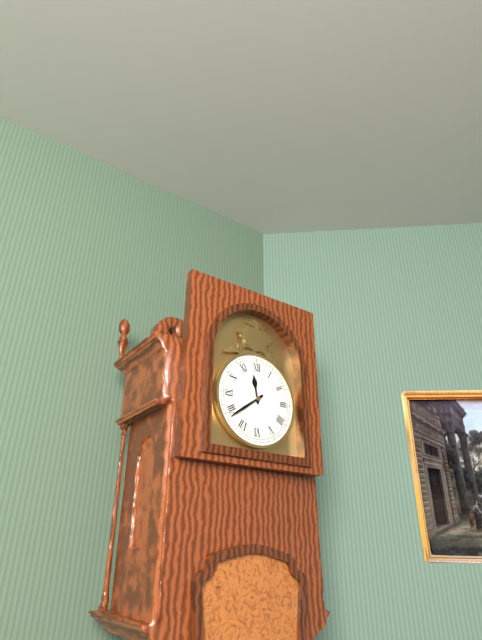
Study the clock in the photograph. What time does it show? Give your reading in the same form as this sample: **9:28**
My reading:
**11:39**
